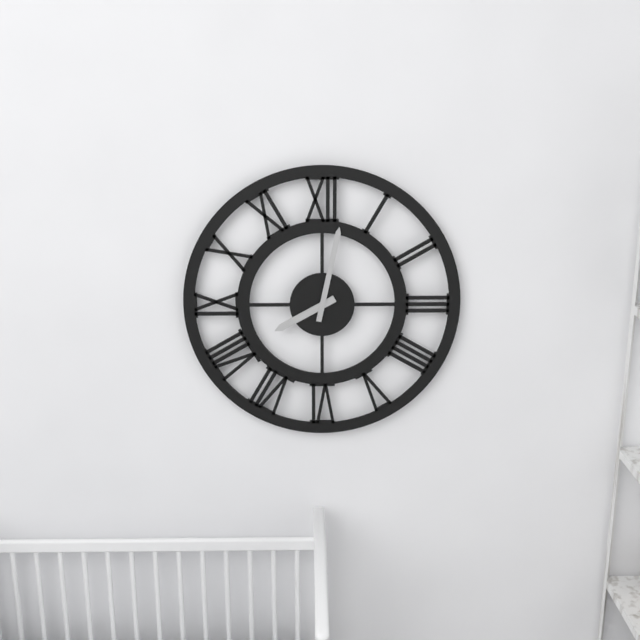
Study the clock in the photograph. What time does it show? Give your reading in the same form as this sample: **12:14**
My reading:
**8:02**
